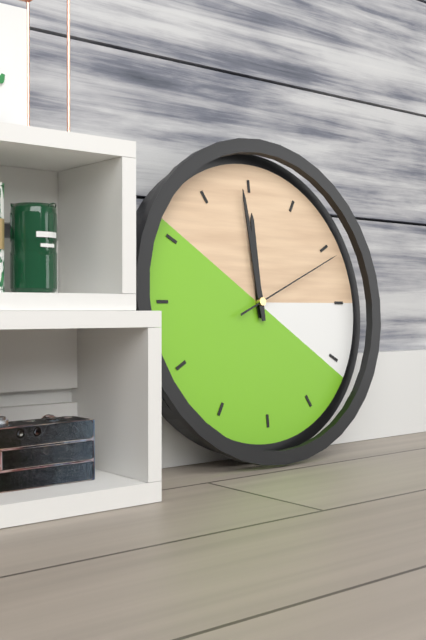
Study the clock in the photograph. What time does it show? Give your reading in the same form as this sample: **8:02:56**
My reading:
**11:59:11**
